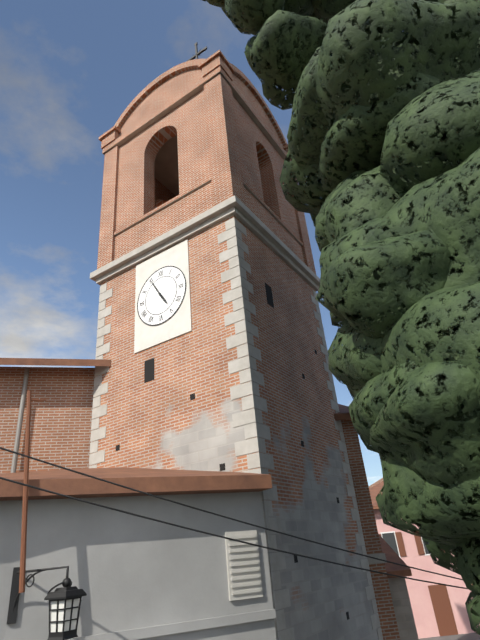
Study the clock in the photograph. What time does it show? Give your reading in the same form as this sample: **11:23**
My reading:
**4:55**
